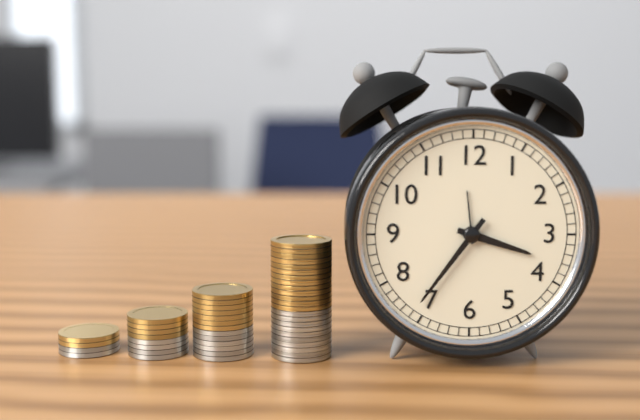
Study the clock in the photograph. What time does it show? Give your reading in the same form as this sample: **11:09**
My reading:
**3:36**
